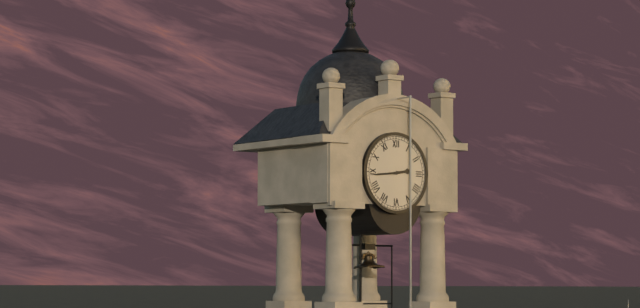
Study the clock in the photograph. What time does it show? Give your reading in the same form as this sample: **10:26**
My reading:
**2:44**
